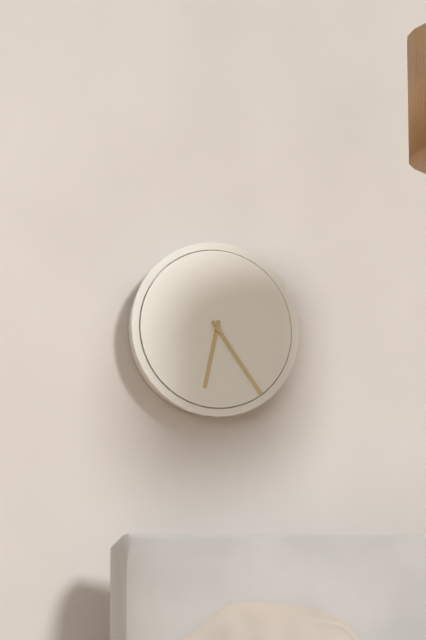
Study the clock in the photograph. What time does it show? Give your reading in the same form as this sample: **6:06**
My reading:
**6:24**
